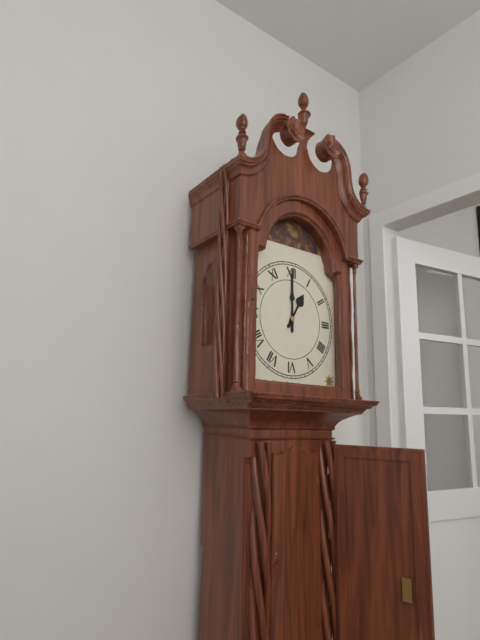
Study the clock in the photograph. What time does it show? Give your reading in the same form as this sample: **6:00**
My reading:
**1:00**
